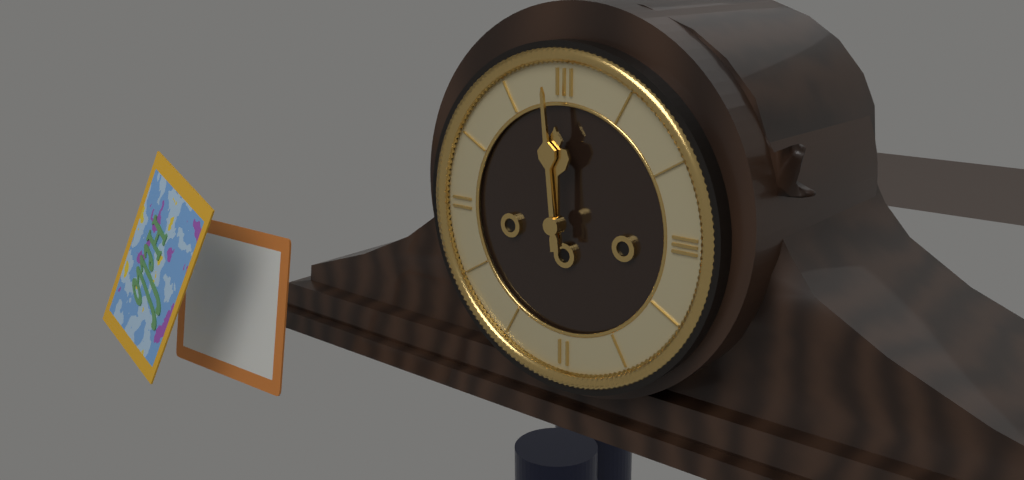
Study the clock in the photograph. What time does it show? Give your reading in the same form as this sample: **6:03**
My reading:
**11:59**
